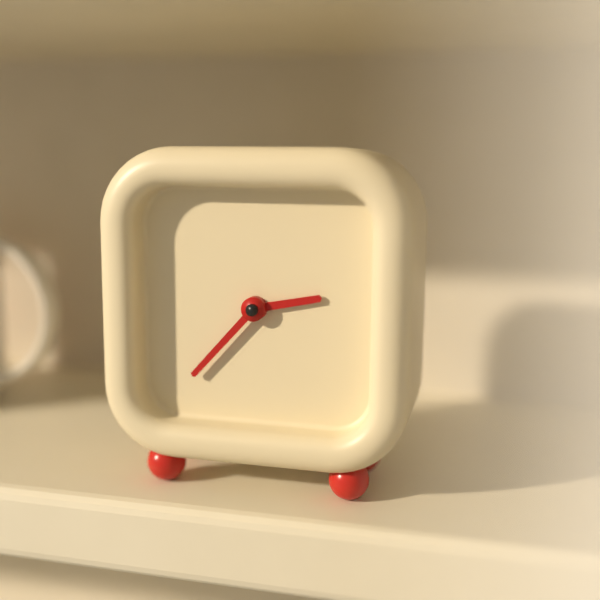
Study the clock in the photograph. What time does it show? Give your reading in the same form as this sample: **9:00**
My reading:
**2:37**
